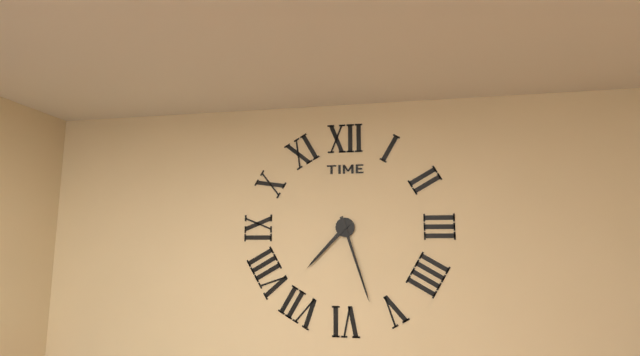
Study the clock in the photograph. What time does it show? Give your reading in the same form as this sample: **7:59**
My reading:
**7:27**
